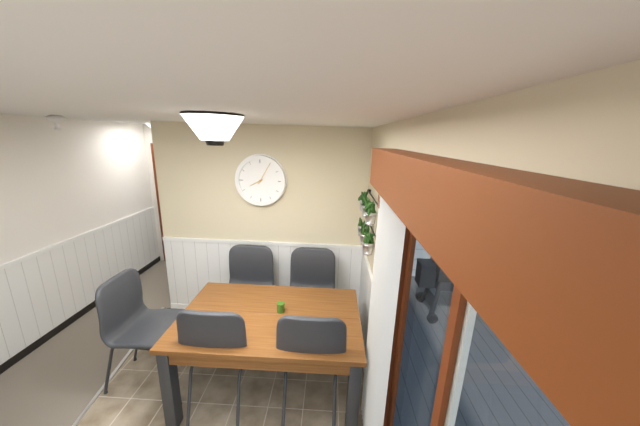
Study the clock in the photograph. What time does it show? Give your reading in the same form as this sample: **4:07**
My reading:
**8:05**
